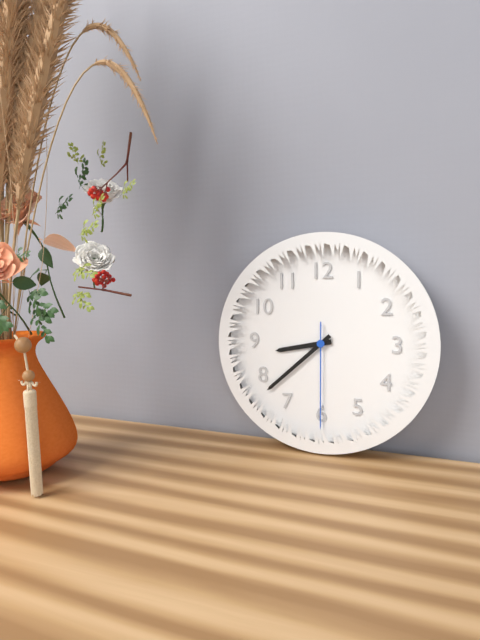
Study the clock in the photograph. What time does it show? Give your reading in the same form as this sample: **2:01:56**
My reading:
**8:38:30**
